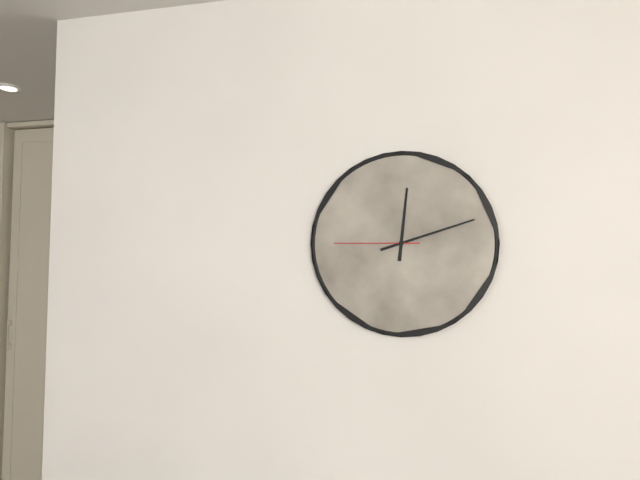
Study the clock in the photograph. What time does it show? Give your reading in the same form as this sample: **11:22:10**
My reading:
**12:12:45**
